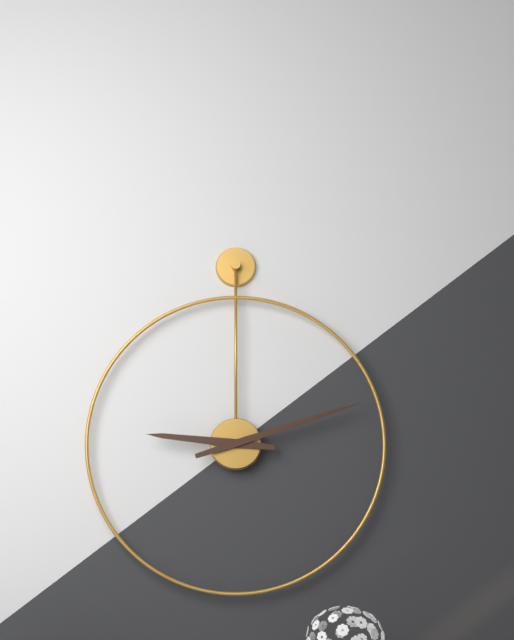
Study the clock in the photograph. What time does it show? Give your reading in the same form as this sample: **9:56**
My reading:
**9:12**
